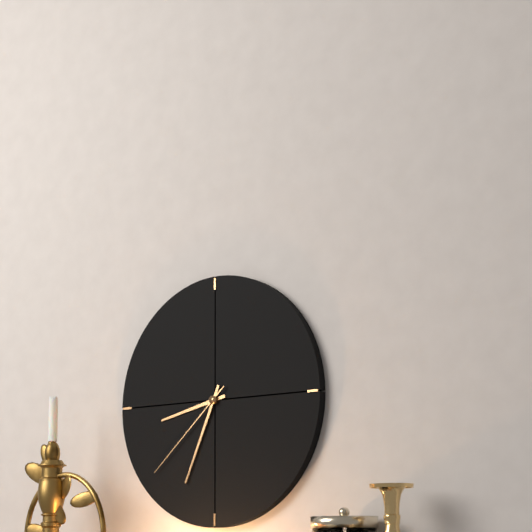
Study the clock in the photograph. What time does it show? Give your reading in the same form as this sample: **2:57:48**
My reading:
**8:34:38**
